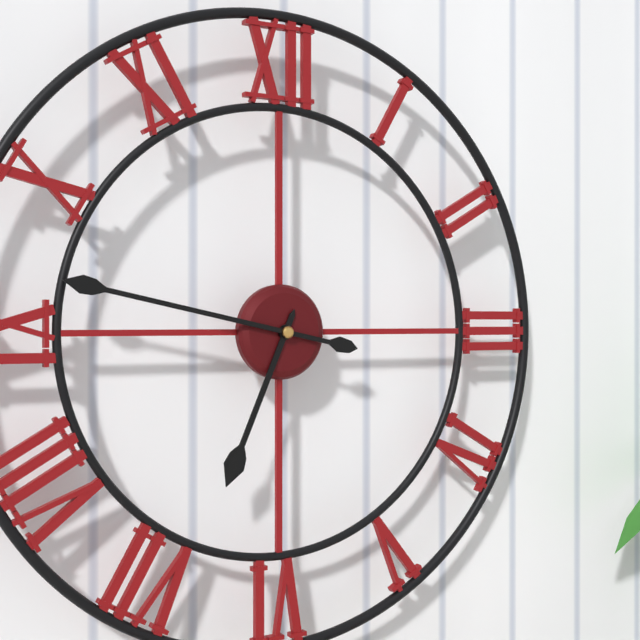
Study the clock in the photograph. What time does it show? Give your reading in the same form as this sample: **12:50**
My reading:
**6:47**
